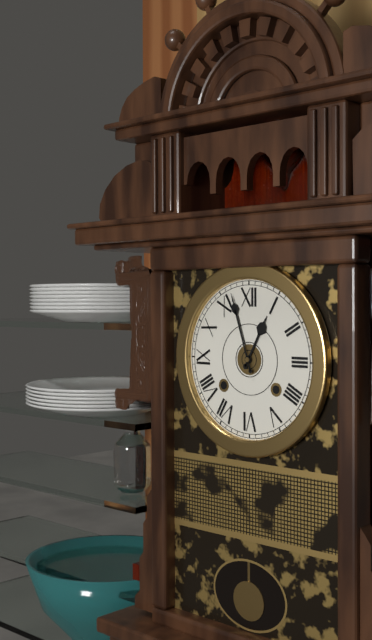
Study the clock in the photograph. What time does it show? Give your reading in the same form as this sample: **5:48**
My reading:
**12:57**
